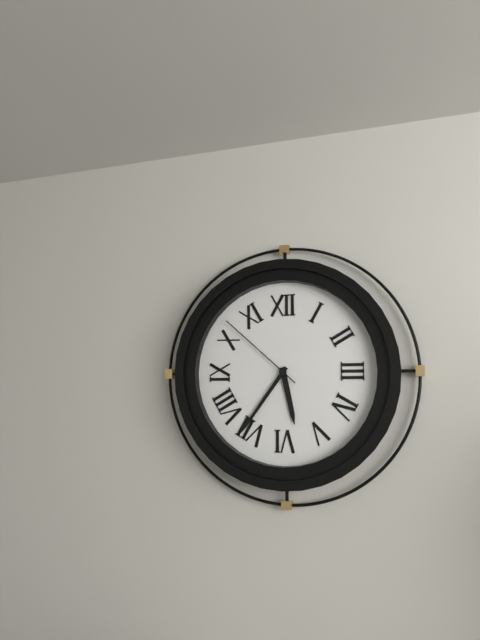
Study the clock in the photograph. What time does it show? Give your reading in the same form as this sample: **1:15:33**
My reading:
**5:36:52**
